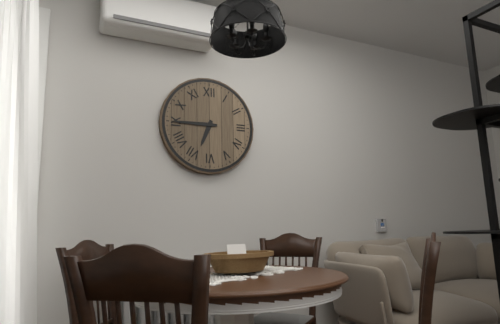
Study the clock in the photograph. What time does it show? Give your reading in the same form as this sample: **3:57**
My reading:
**6:45**
